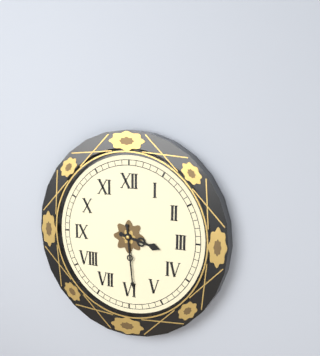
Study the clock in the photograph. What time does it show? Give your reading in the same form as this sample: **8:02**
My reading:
**3:29**
